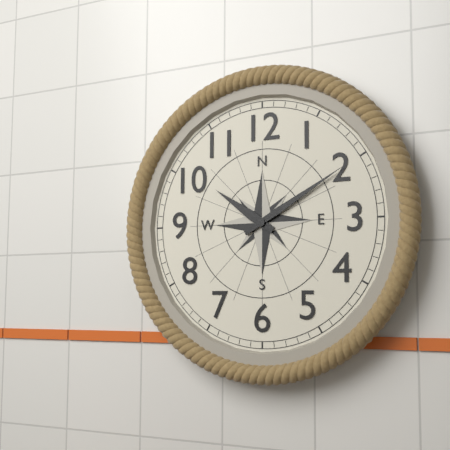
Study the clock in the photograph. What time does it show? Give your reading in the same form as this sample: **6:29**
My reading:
**10:10**
